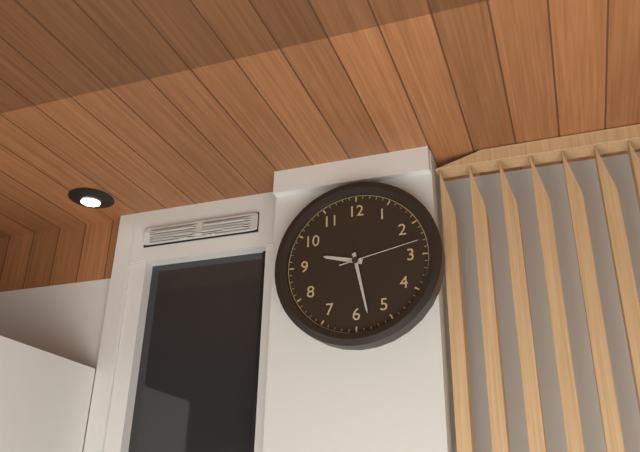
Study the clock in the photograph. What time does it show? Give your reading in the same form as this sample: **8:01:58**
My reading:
**9:28:13**
